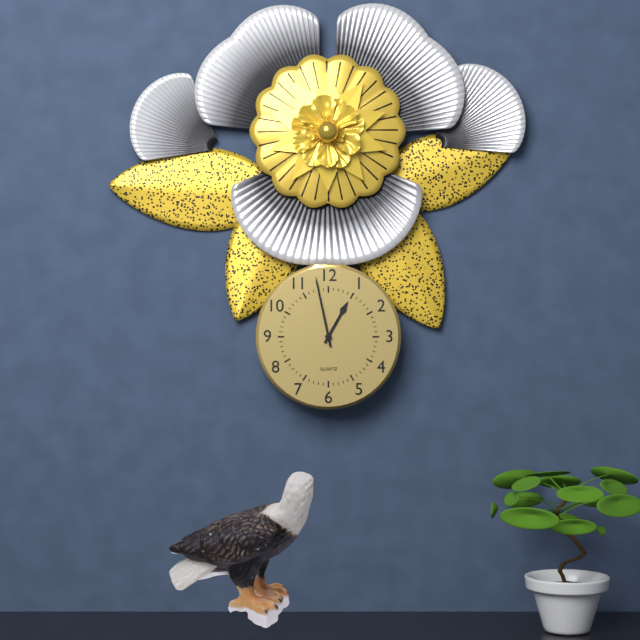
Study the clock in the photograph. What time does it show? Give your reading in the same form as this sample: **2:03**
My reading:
**12:58**
